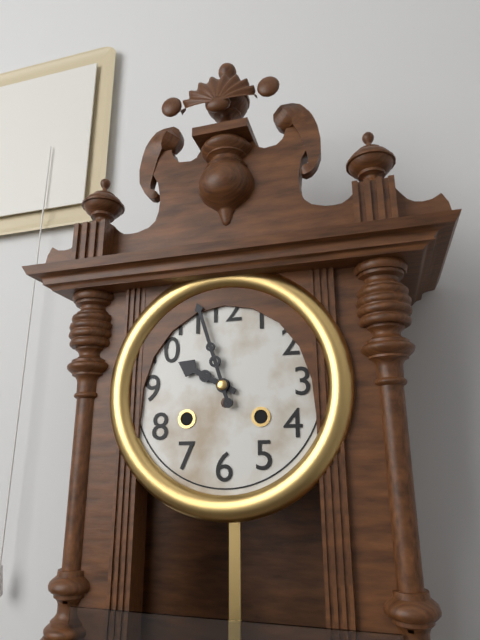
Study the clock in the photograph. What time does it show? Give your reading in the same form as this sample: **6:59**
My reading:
**9:57**
